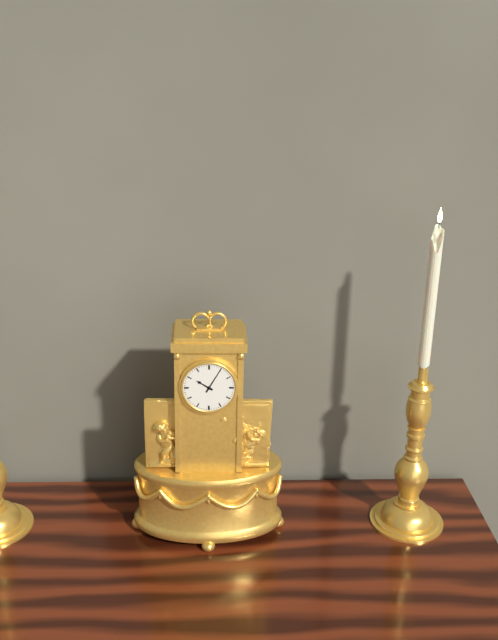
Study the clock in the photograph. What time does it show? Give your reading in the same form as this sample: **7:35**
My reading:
**10:05**
